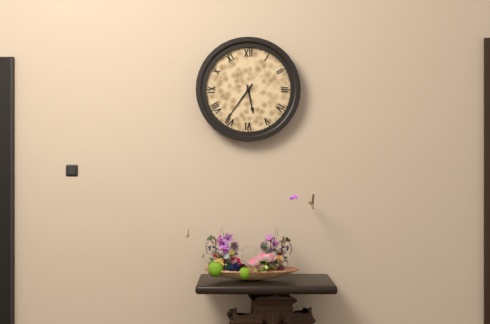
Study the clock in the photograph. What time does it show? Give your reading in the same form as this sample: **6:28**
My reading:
**5:36**
